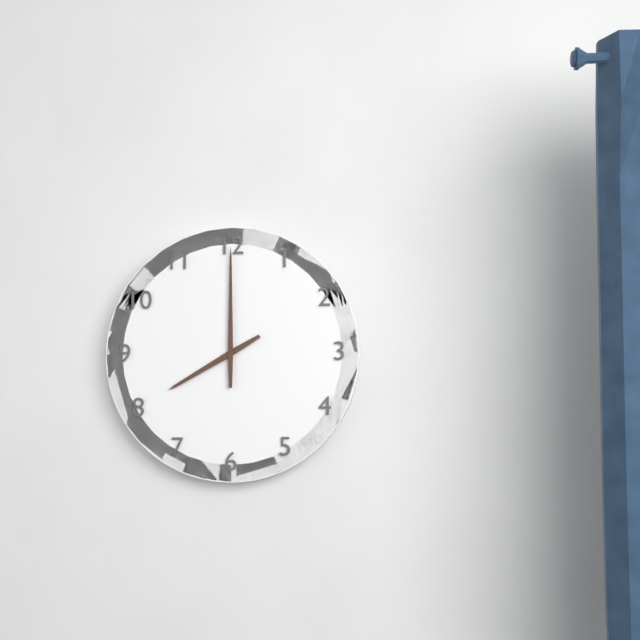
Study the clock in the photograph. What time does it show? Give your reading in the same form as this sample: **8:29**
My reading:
**8:00**
